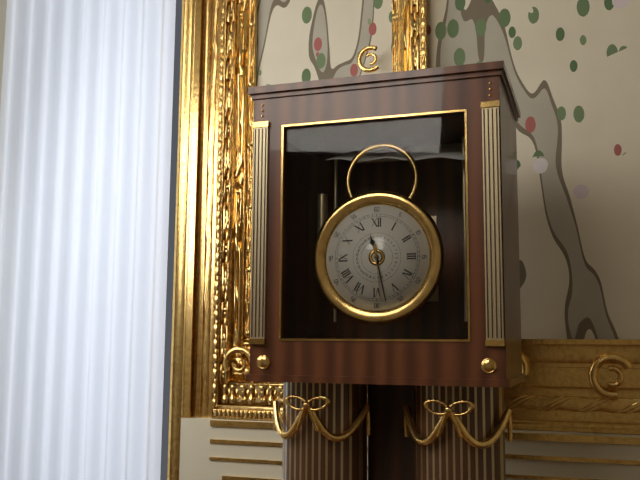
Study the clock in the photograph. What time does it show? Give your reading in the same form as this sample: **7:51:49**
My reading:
**11:28:29**
